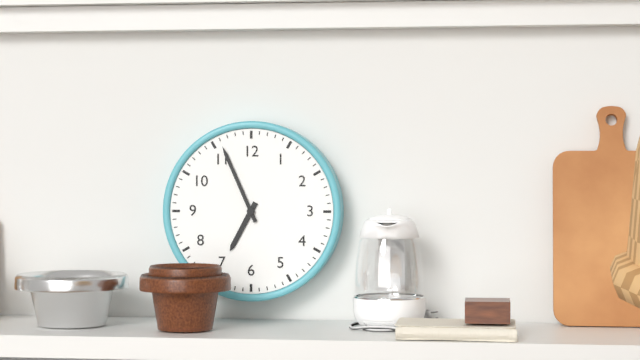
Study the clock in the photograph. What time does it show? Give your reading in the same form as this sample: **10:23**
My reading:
**6:56**
